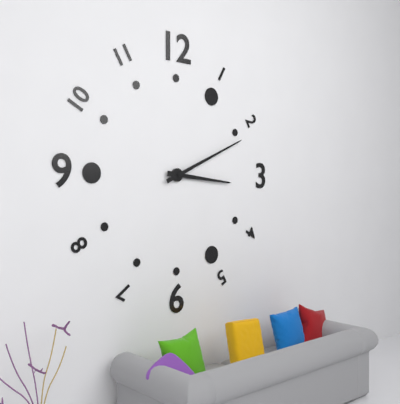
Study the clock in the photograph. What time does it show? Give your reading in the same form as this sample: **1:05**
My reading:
**3:11**
